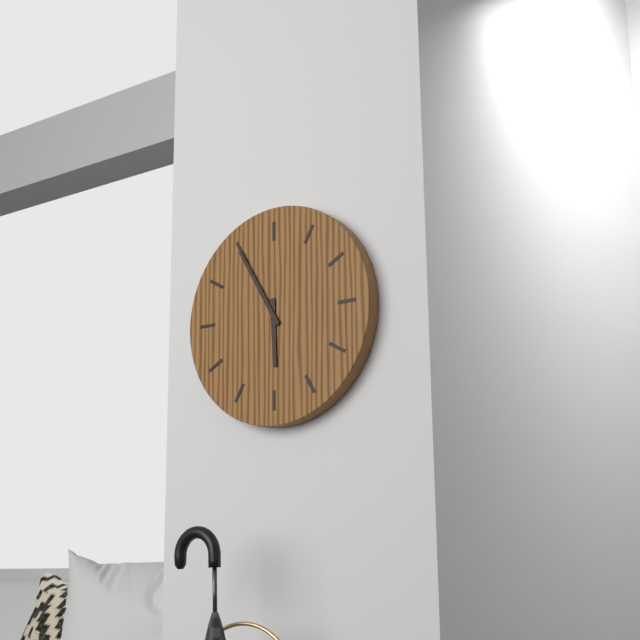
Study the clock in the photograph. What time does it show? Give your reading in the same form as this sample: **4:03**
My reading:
**5:55**
